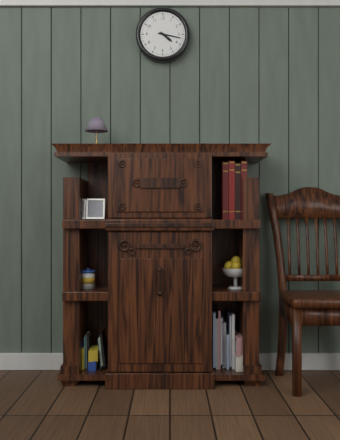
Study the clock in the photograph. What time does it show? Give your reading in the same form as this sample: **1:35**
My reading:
**4:17**
